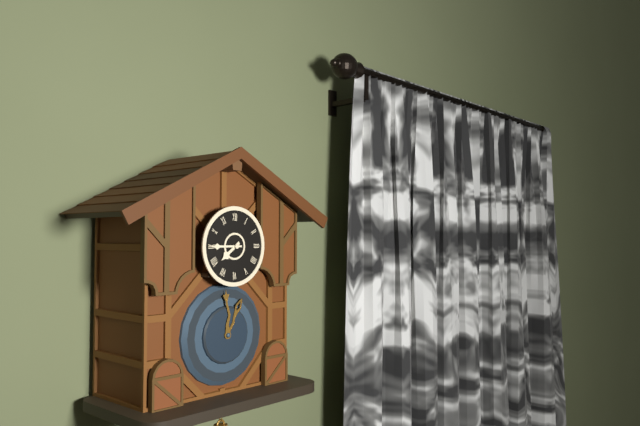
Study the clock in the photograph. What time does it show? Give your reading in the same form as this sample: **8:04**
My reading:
**7:45**
